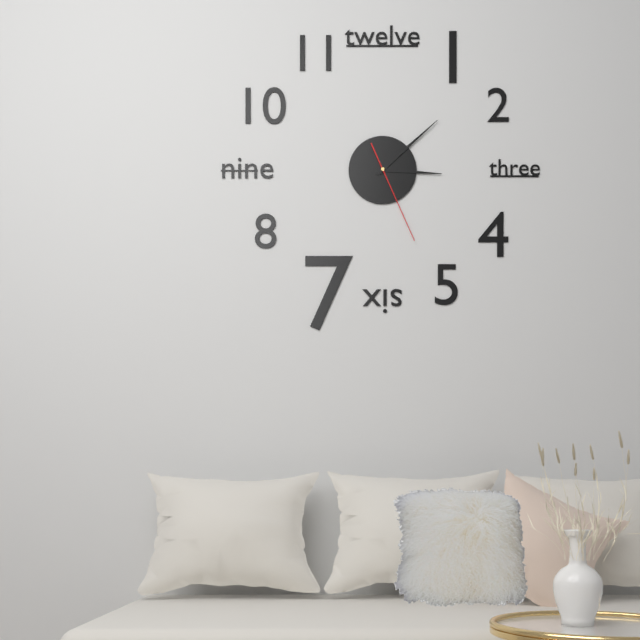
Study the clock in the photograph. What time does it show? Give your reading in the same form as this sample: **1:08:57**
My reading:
**3:08:26**
